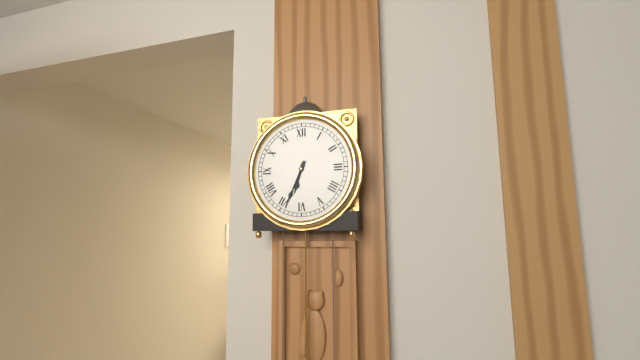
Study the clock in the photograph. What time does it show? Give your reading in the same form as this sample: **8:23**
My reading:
**6:34**
